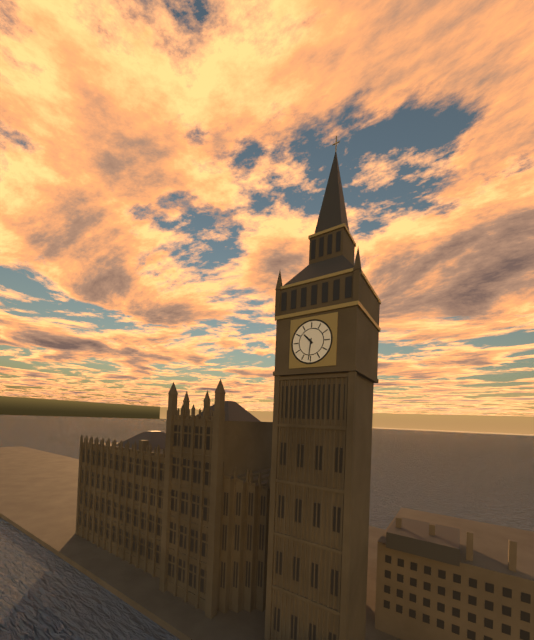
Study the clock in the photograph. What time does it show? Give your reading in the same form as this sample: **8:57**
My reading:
**10:31**
